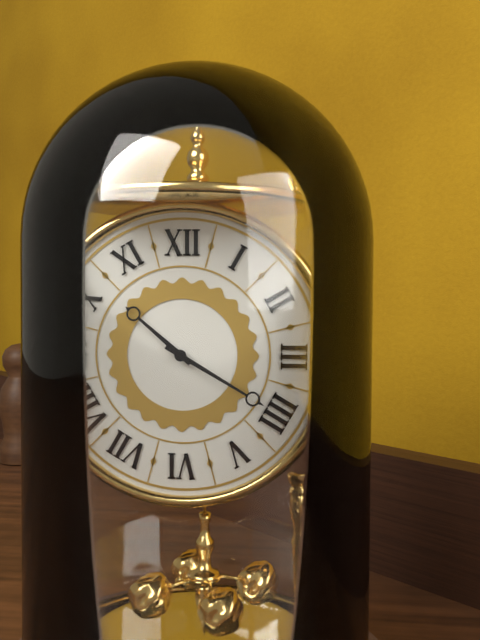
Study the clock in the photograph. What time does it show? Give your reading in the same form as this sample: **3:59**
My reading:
**10:20**
